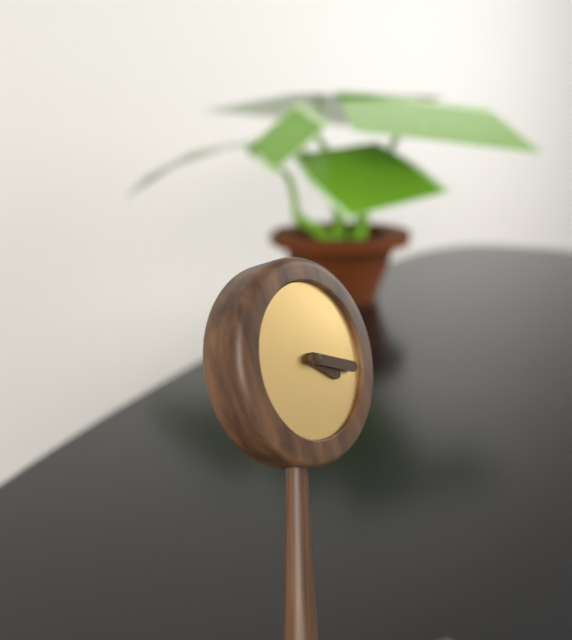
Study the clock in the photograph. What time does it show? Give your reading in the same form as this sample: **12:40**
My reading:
**4:19**
